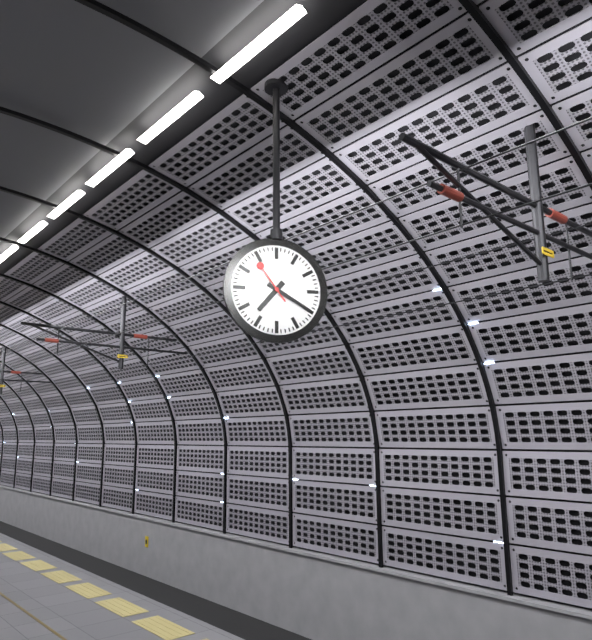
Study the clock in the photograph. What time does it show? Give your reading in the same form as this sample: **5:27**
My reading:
**7:20**
